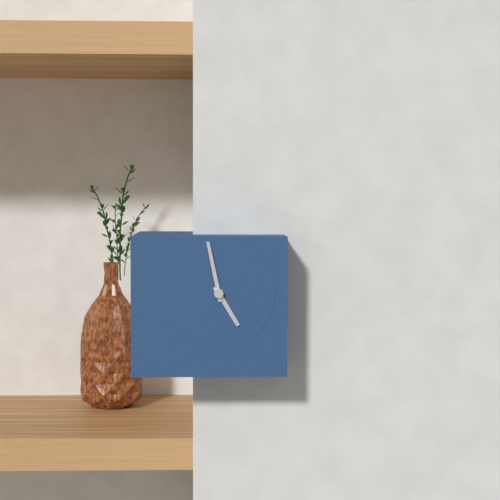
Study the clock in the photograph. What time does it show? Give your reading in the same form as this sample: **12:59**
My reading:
**4:58**
